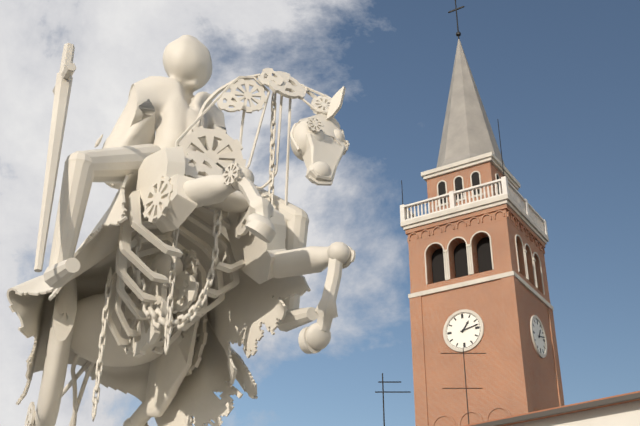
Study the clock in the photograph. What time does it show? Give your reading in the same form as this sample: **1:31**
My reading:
**1:13**
